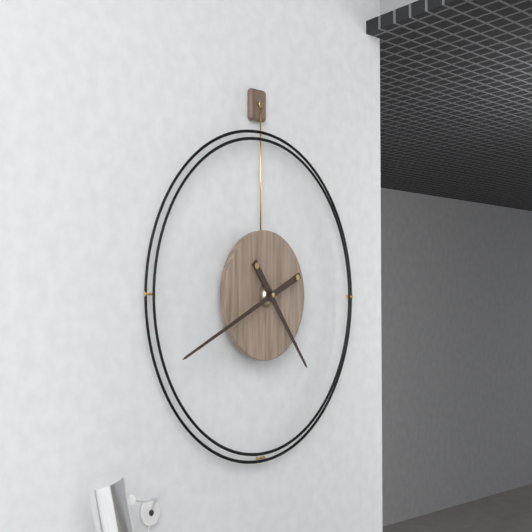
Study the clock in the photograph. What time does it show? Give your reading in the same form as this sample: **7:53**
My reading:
**4:41**
